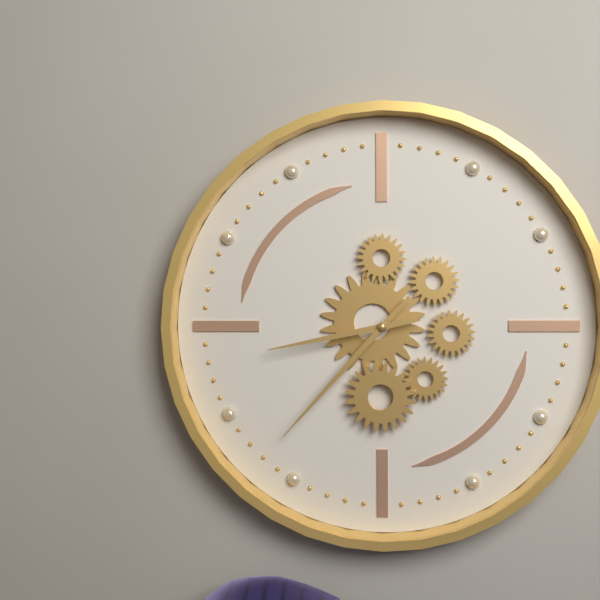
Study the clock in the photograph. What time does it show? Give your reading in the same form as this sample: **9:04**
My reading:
**8:37**
